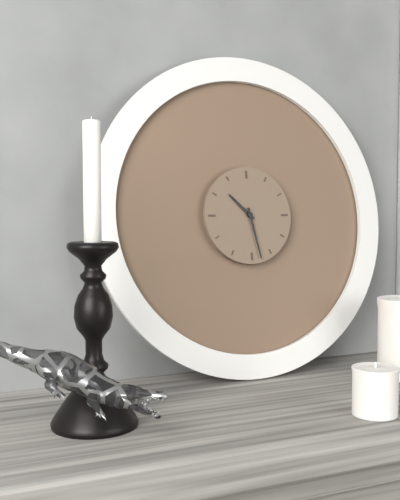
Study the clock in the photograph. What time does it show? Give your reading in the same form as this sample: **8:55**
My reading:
**10:28**
